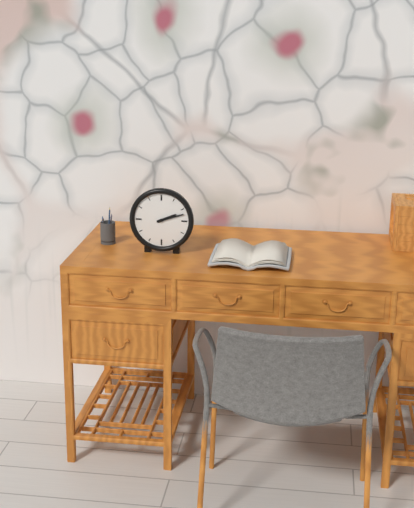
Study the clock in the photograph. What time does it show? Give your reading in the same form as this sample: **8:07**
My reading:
**2:12**
